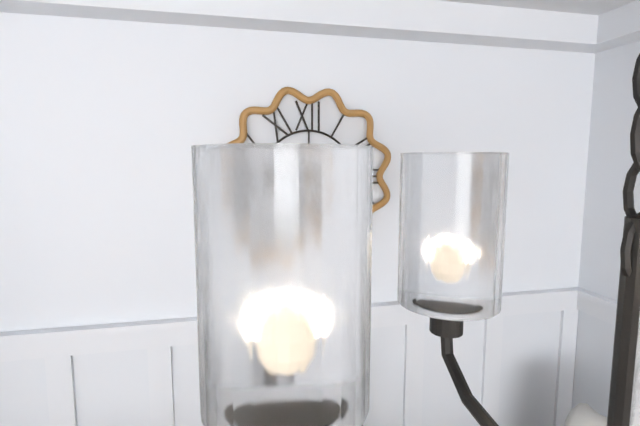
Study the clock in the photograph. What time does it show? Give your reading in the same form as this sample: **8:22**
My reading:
**4:35**
